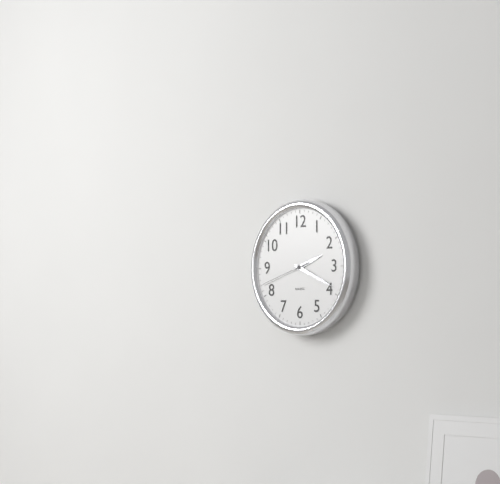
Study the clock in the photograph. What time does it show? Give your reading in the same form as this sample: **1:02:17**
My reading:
**2:19:42**
